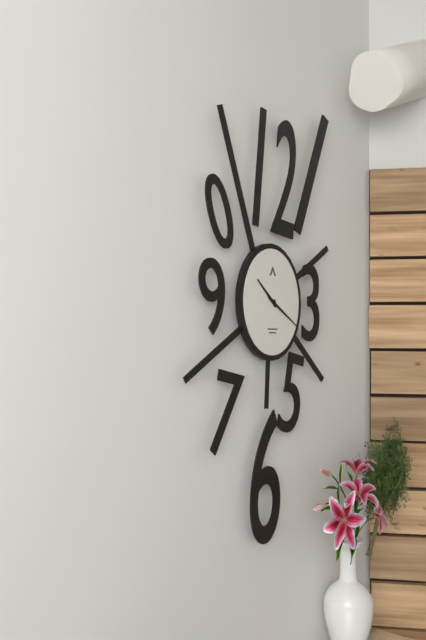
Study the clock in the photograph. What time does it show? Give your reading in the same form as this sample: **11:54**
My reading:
**10:20**
